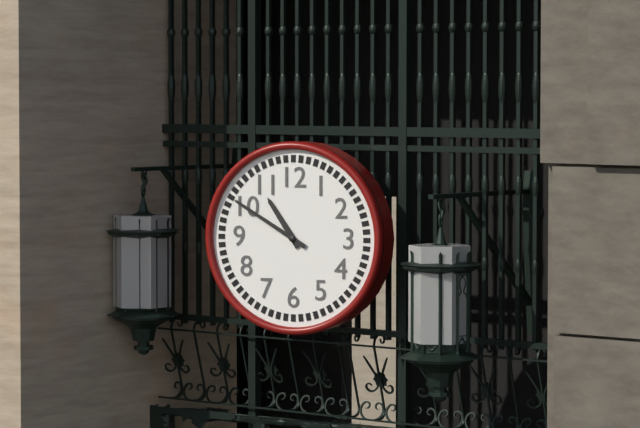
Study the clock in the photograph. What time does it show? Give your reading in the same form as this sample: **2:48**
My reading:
**10:50**
